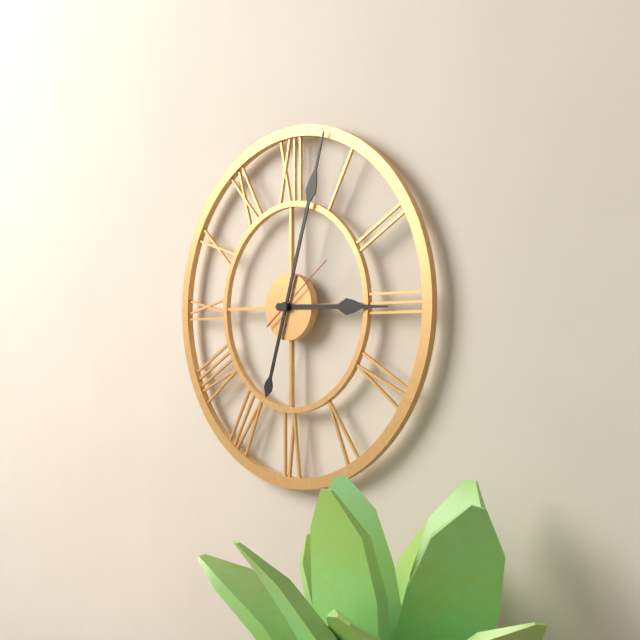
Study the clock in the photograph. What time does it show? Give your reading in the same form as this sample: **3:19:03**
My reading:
**3:03:09**
